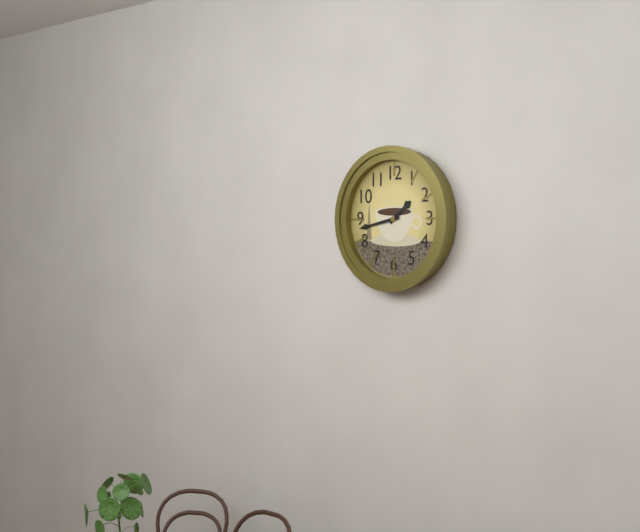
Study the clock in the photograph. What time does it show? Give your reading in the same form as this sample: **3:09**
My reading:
**1:43**
